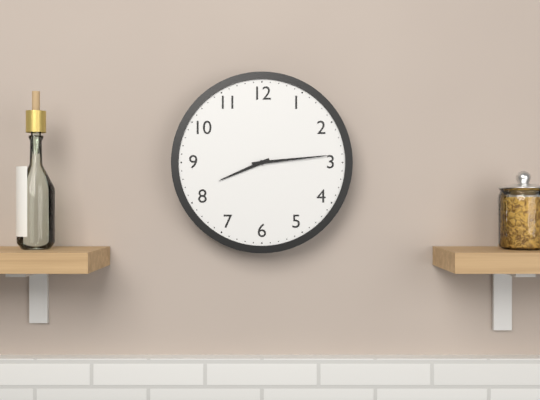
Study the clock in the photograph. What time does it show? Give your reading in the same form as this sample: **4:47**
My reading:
**8:14**
